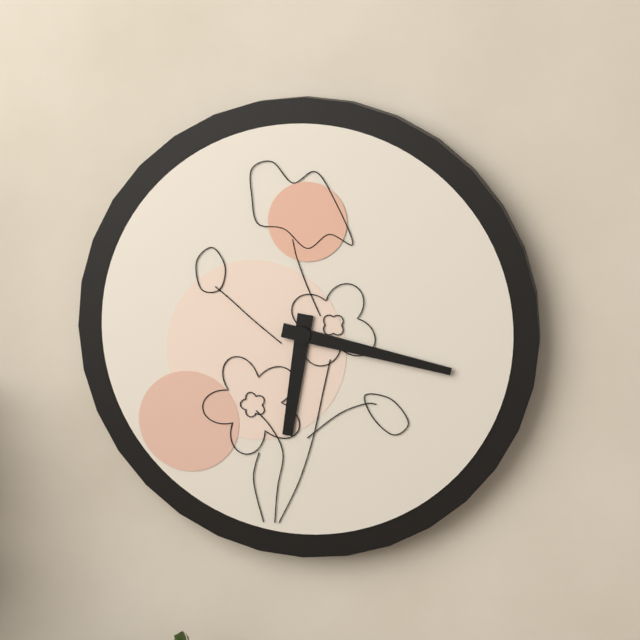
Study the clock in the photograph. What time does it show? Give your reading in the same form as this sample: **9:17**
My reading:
**6:17**
